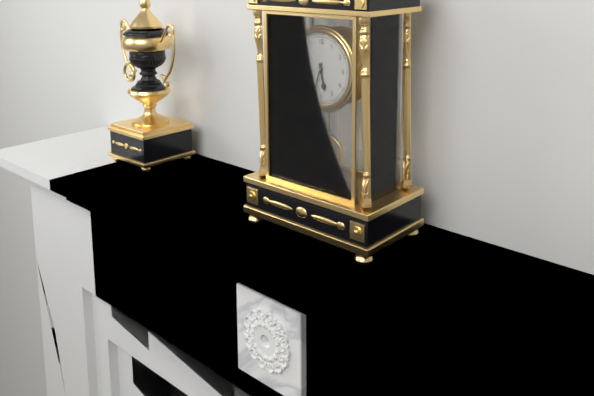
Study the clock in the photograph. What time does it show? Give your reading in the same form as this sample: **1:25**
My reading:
**5:33**
